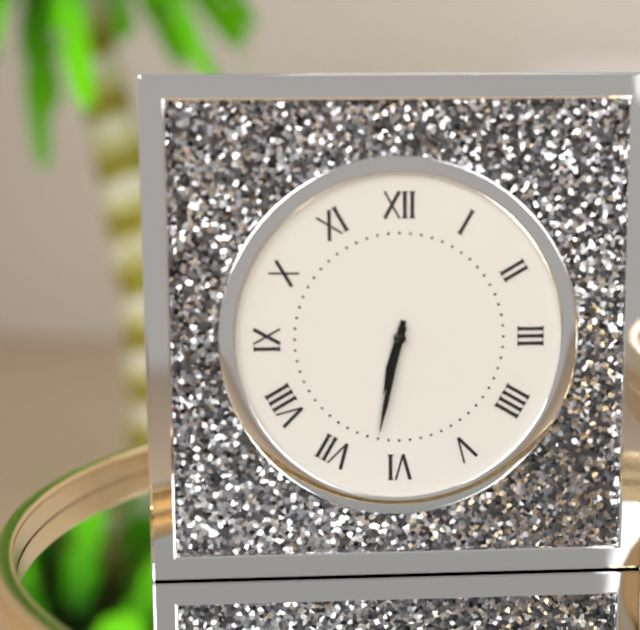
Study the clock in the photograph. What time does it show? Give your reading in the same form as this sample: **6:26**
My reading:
**6:32**
